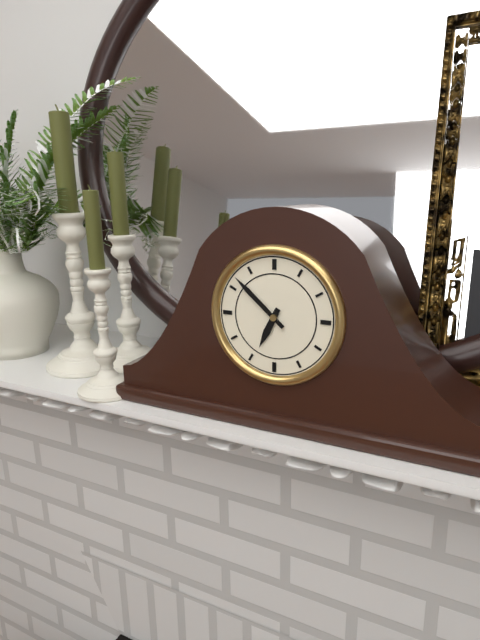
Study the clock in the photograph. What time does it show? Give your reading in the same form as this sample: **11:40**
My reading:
**6:52**
